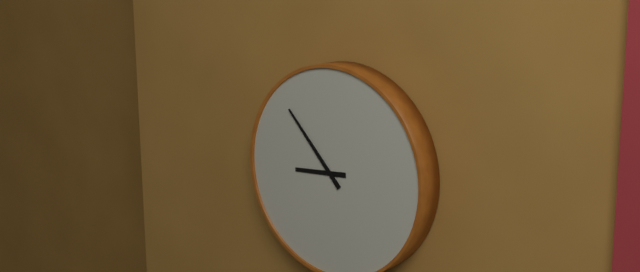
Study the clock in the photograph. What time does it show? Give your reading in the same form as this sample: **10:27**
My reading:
**8:53**
